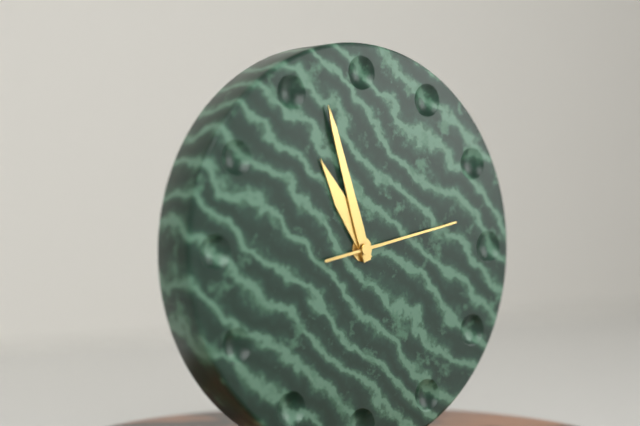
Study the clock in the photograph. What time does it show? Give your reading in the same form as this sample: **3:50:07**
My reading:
**10:57:13**
